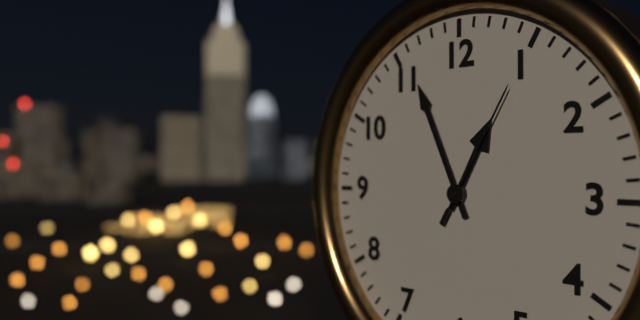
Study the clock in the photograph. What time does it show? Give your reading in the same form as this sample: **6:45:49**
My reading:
**12:56:05**
